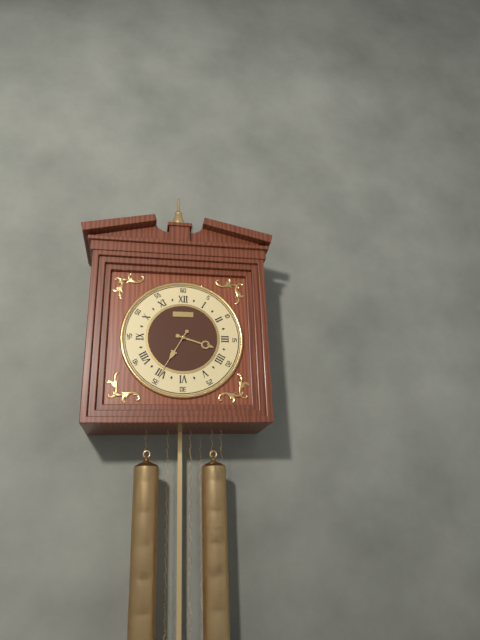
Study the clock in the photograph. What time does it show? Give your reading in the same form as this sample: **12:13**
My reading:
**3:35**
